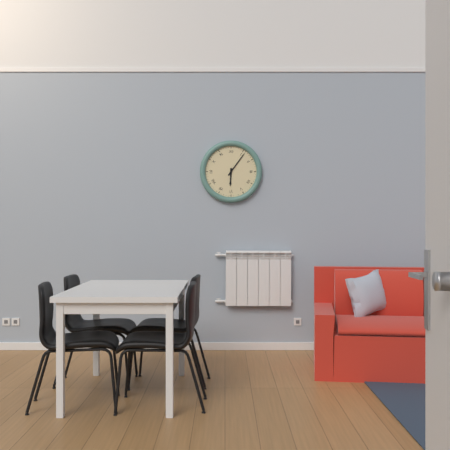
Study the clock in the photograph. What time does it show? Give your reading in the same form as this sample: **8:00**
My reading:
**6:06**
